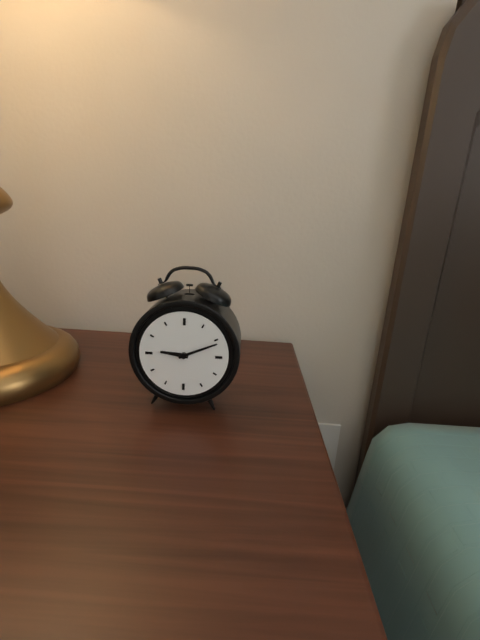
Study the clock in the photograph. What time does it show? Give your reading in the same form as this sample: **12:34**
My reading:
**9:11**
